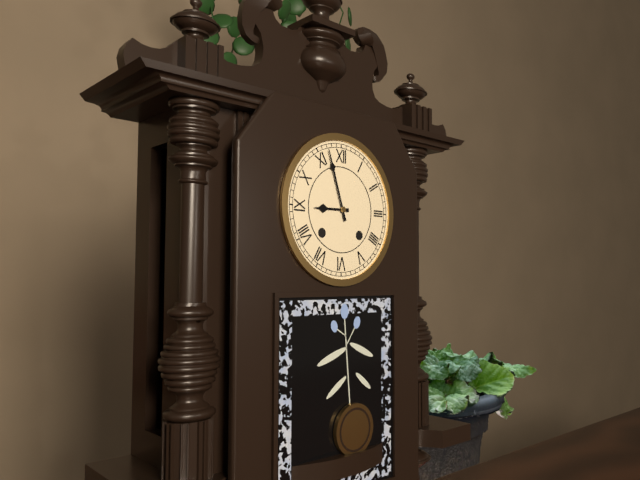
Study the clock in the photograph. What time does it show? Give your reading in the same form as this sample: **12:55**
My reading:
**8:57**
